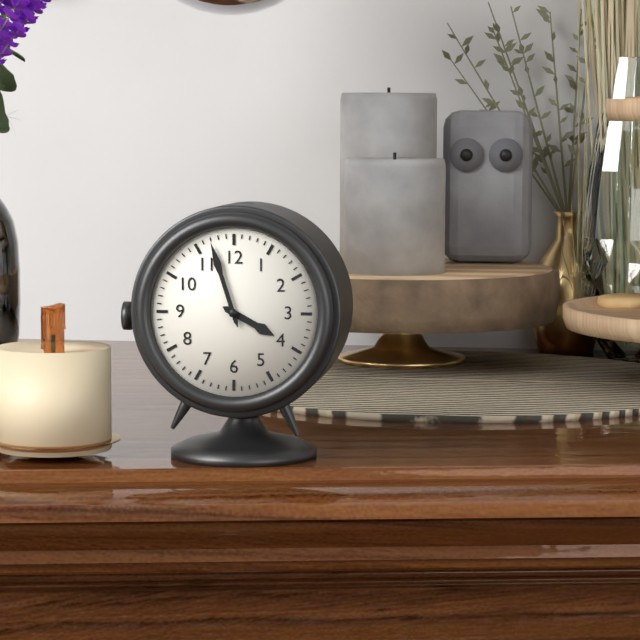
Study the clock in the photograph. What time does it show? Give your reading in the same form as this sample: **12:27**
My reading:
**3:57**
